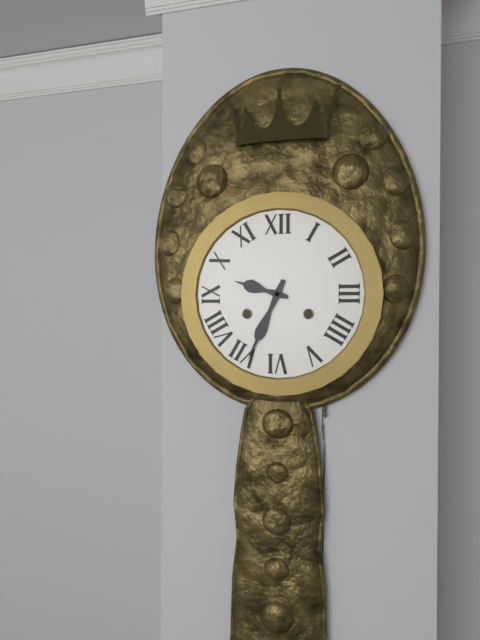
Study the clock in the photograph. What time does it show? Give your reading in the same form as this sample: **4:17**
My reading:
**9:34**
